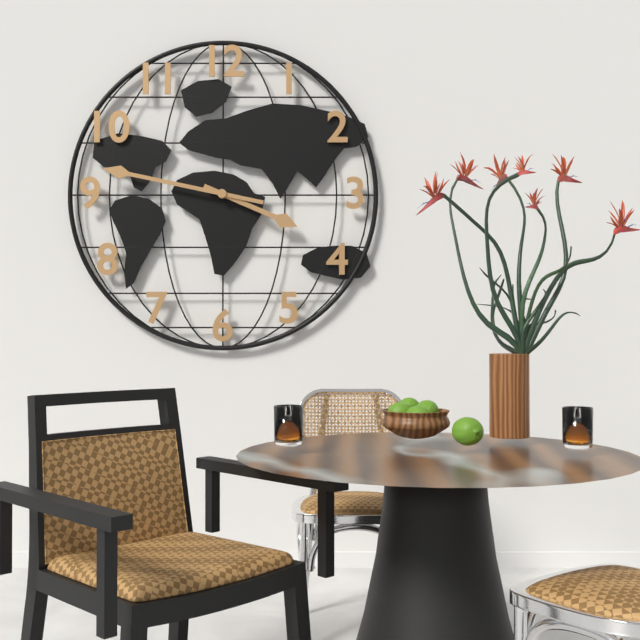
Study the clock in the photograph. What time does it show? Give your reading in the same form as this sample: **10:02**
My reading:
**3:47**
